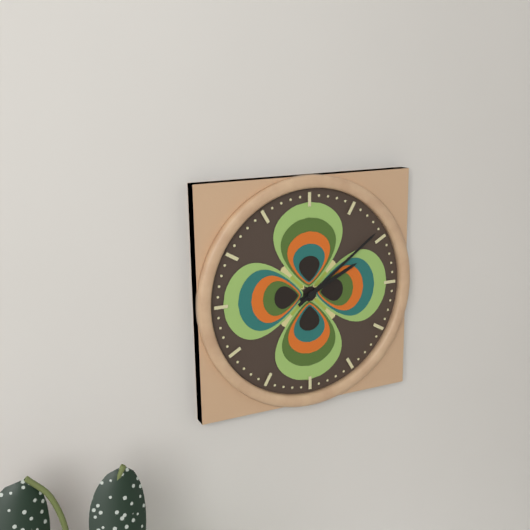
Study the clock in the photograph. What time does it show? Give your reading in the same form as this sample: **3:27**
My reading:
**2:09**
